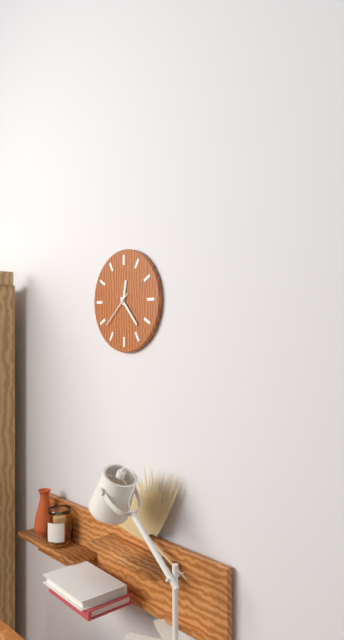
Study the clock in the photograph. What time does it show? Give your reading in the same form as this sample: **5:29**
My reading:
**12:23**
